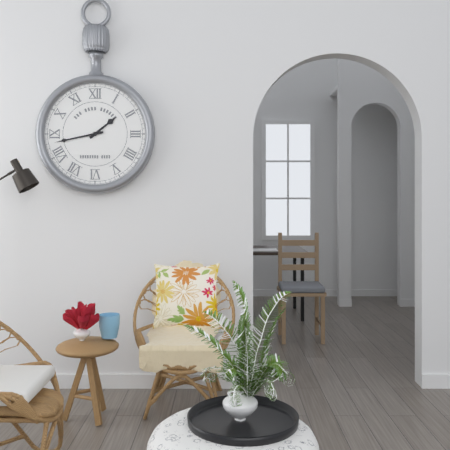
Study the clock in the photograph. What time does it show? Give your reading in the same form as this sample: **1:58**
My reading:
**1:43**
